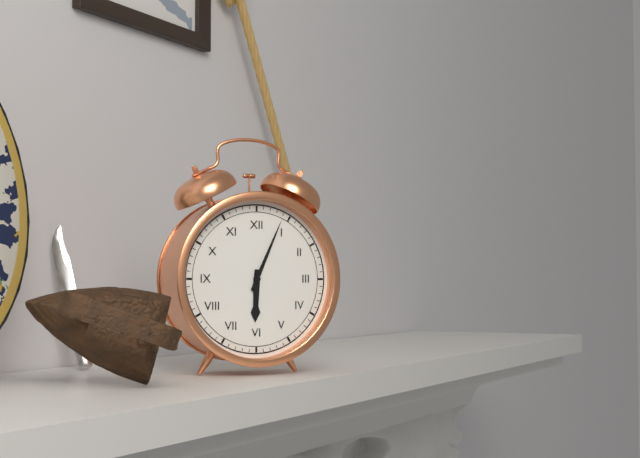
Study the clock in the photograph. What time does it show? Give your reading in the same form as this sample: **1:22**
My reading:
**6:04**
